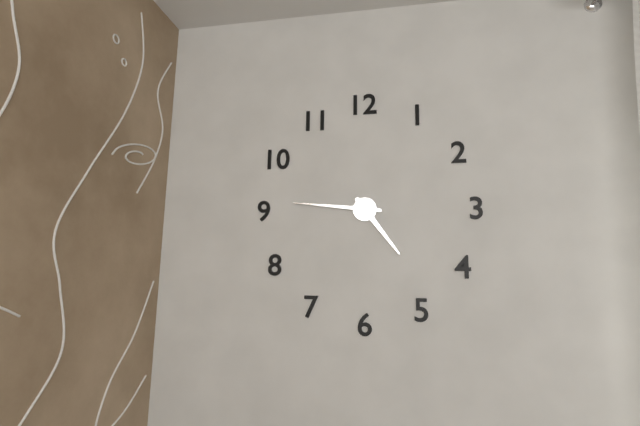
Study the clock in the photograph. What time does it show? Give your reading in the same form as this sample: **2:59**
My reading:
**4:46**
